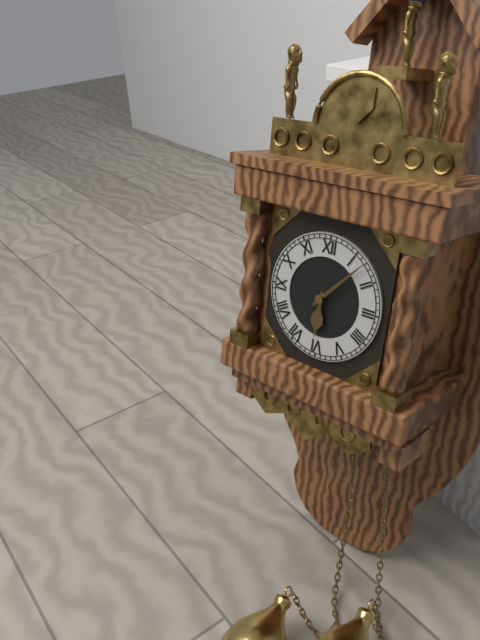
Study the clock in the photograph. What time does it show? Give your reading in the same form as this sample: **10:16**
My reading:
**6:07**
